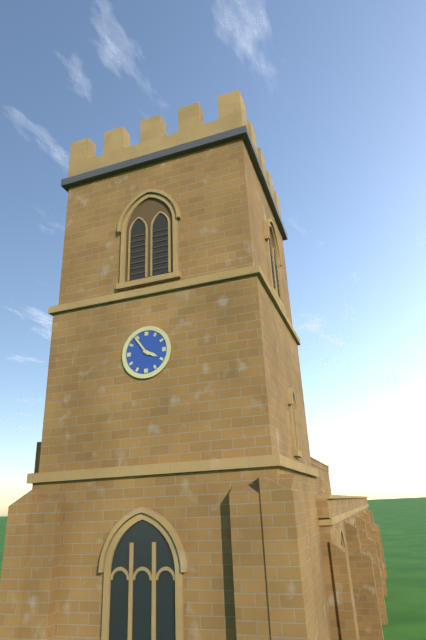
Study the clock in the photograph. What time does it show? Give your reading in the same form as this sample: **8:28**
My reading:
**3:54**
